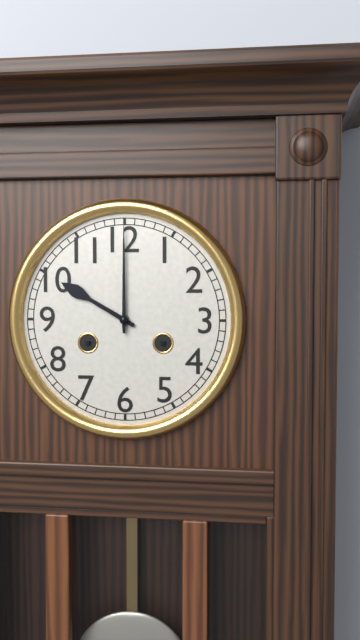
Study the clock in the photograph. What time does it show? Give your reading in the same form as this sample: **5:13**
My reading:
**10:00**
